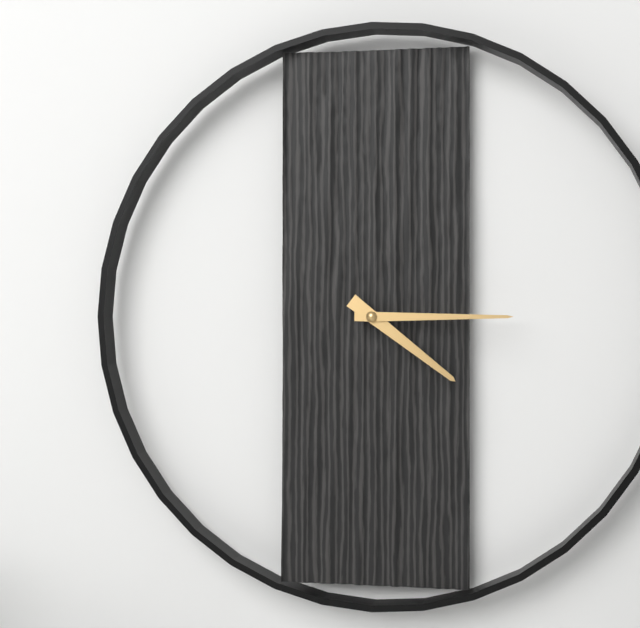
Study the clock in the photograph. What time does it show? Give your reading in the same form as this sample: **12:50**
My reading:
**4:15**
